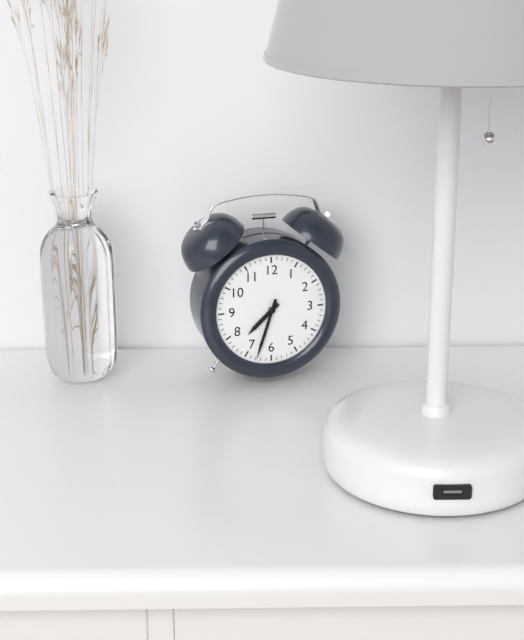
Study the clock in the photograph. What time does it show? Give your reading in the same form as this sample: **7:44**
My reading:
**7:33**
